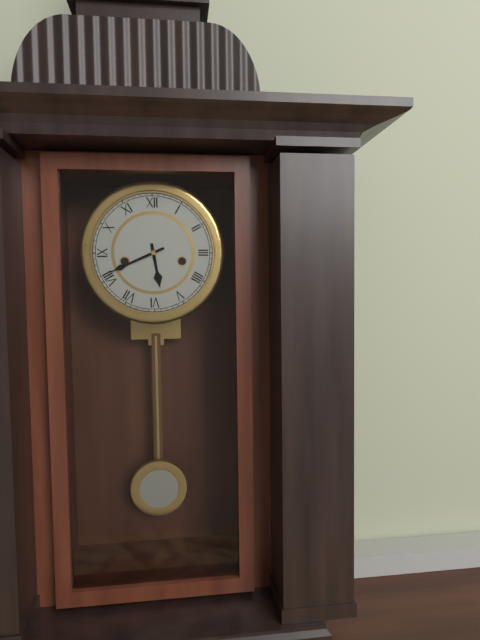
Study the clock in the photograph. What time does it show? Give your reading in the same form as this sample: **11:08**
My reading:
**5:41**
